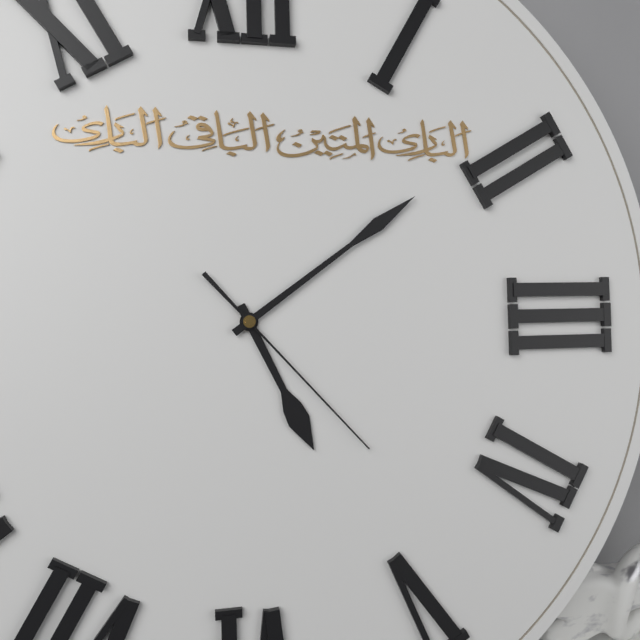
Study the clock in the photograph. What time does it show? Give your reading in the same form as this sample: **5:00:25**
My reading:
**5:09:23**
